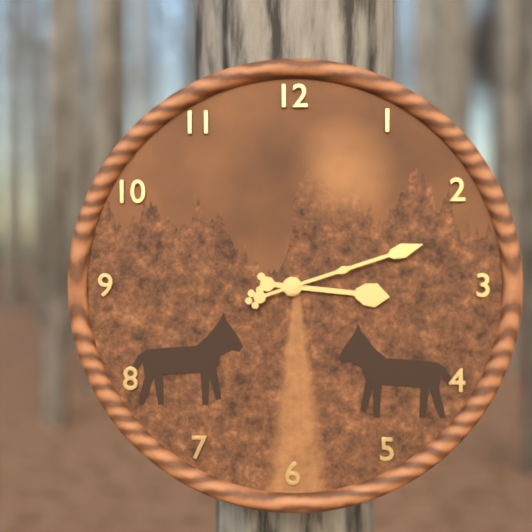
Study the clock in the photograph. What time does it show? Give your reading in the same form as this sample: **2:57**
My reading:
**3:12**
